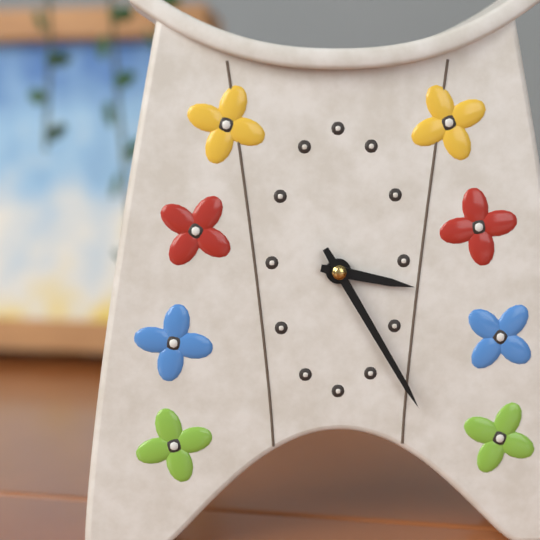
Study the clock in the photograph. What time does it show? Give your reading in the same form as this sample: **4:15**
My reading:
**3:25**
